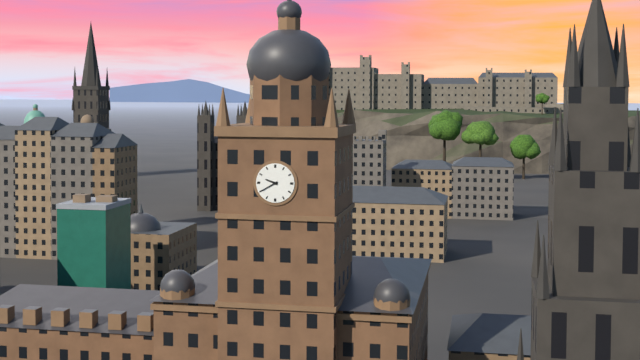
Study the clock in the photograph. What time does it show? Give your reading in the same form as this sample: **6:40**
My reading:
**9:40**
